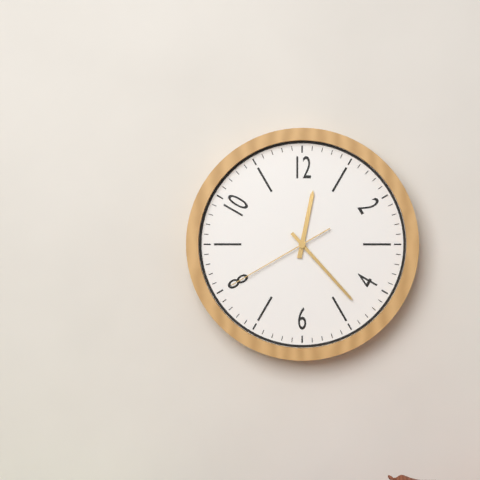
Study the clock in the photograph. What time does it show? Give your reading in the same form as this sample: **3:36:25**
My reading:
**12:23:40**
